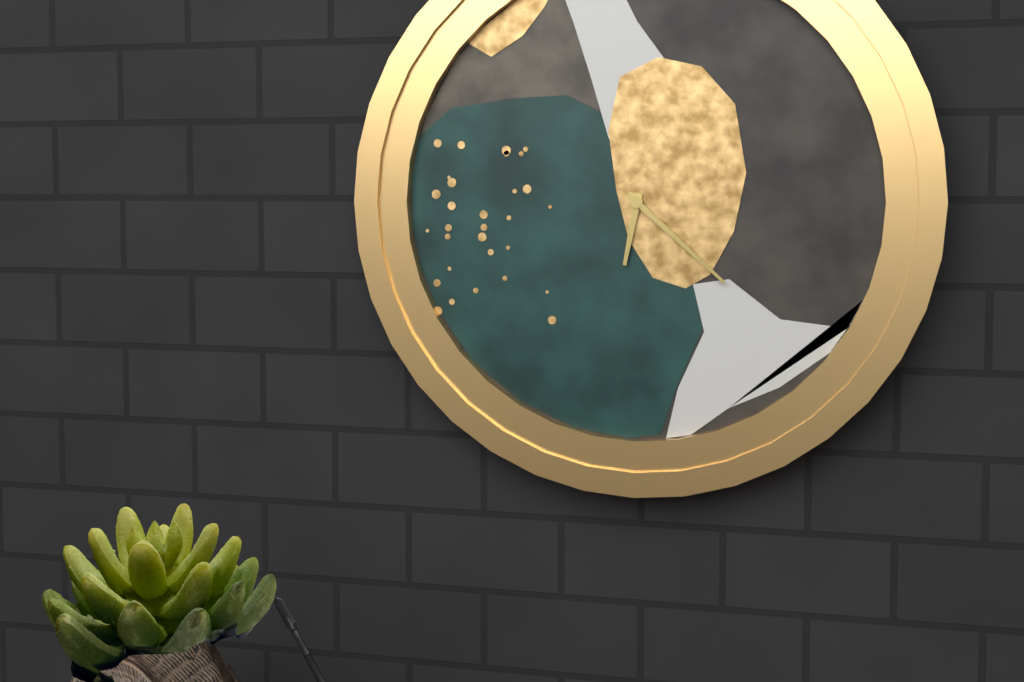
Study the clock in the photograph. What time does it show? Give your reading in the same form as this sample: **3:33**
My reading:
**6:22**
